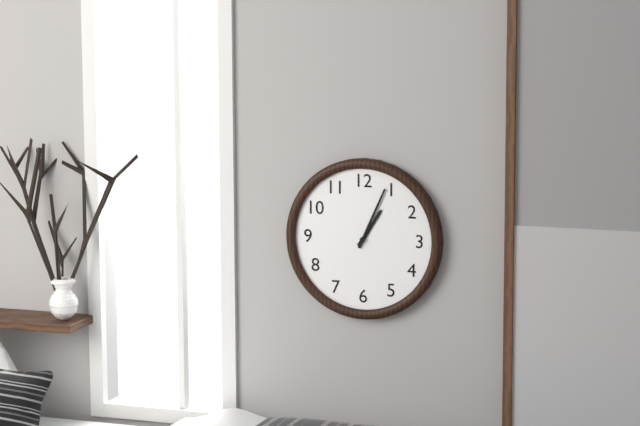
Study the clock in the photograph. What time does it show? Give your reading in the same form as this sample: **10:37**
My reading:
**1:04**
